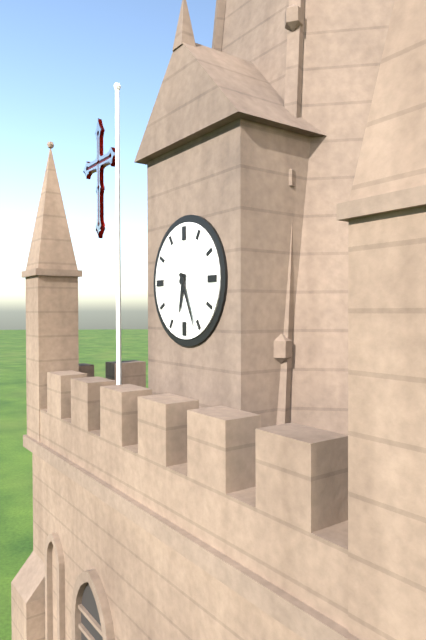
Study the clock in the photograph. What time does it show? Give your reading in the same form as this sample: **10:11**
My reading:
**6:26**
